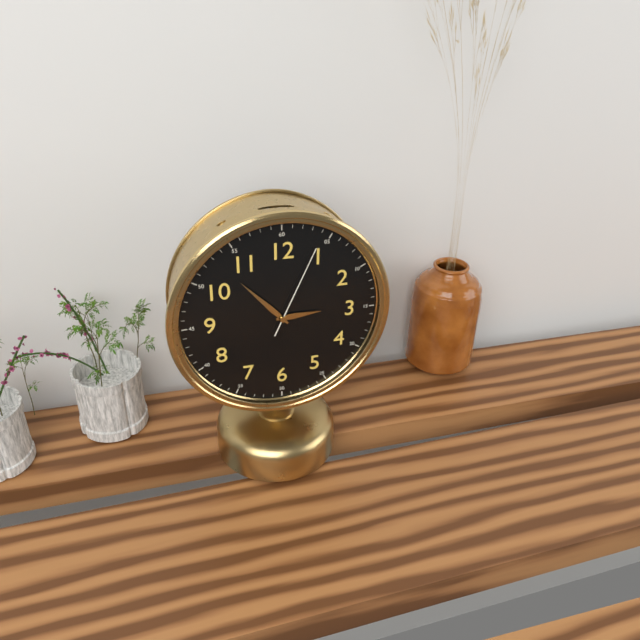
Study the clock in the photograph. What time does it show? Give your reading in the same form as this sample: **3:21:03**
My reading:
**2:53:04**
